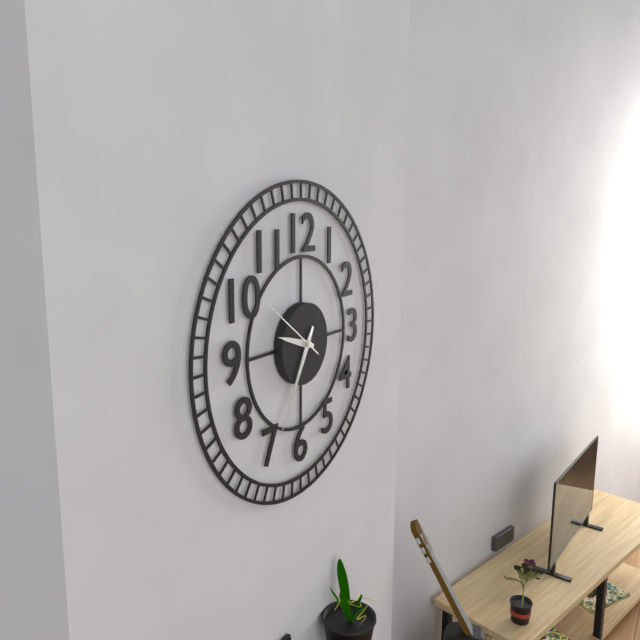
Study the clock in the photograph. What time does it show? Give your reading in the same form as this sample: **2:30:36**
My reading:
**9:35:51**
